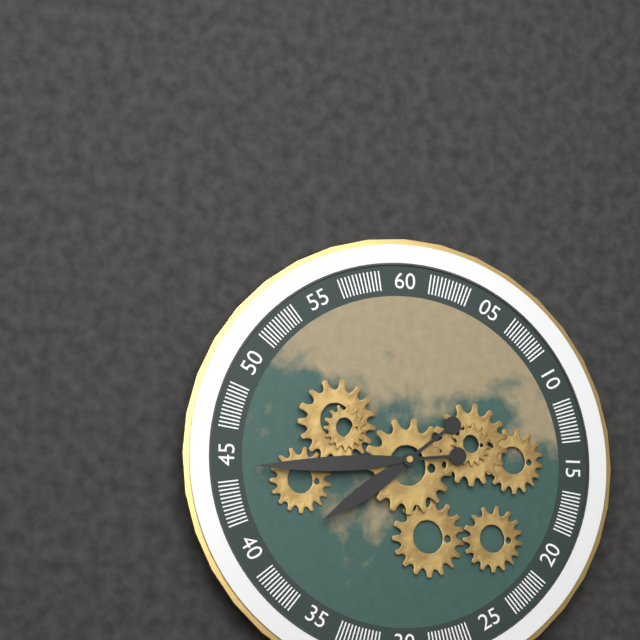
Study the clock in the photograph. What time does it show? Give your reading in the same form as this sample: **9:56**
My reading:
**7:44**
